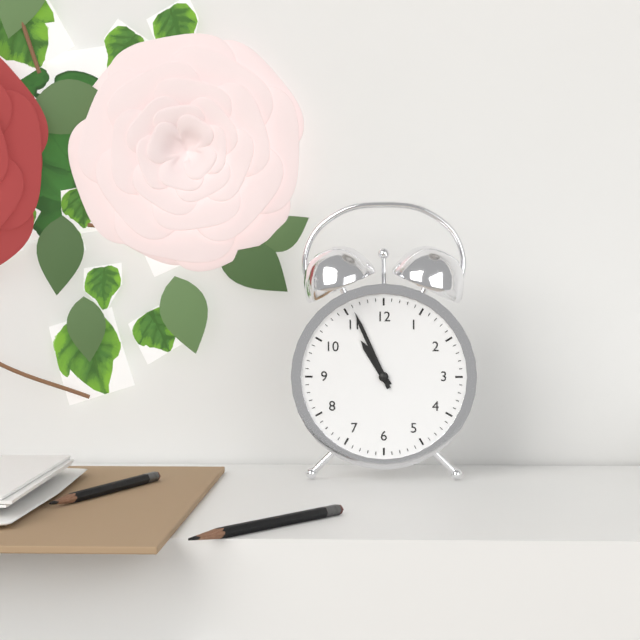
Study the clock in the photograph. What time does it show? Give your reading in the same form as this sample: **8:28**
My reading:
**10:56**
